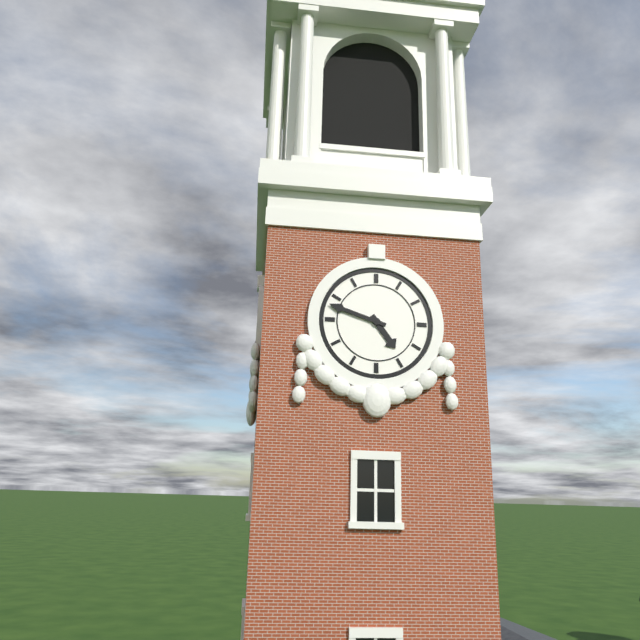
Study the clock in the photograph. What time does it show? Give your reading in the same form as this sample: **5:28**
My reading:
**4:48**
